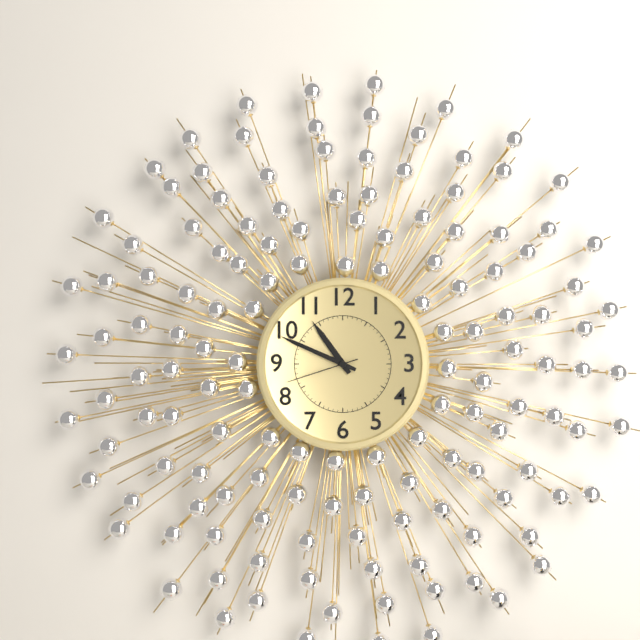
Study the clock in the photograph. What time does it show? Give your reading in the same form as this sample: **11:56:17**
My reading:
**10:49:42**
